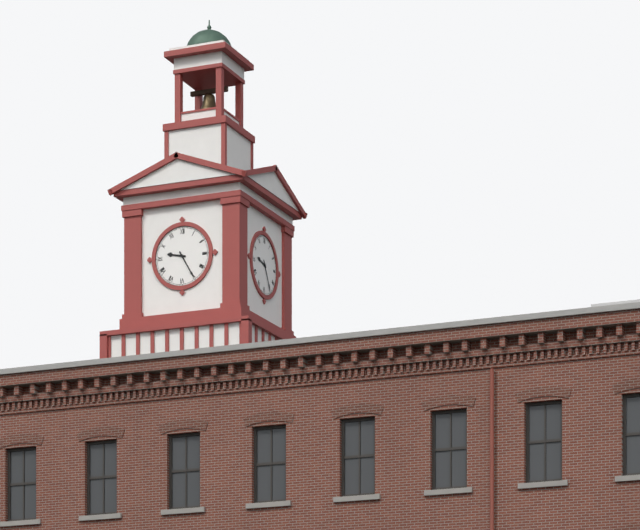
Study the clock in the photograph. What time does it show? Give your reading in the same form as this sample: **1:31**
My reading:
**9:25**
